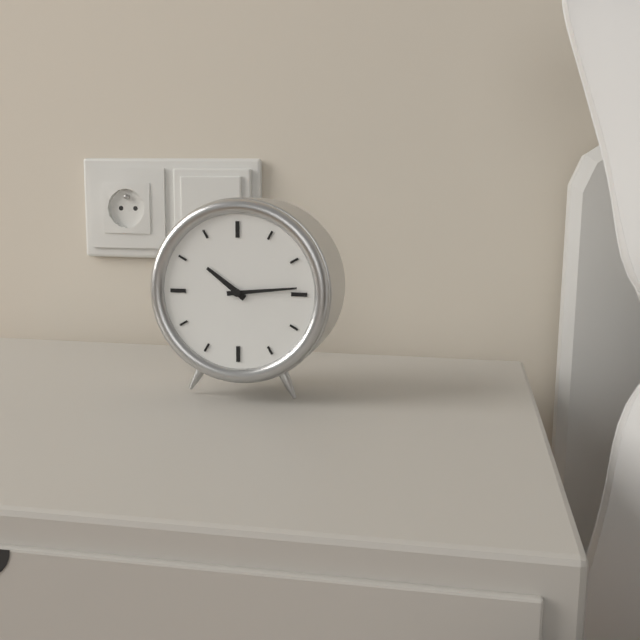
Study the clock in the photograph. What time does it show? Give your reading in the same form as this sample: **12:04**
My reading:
**10:14**
